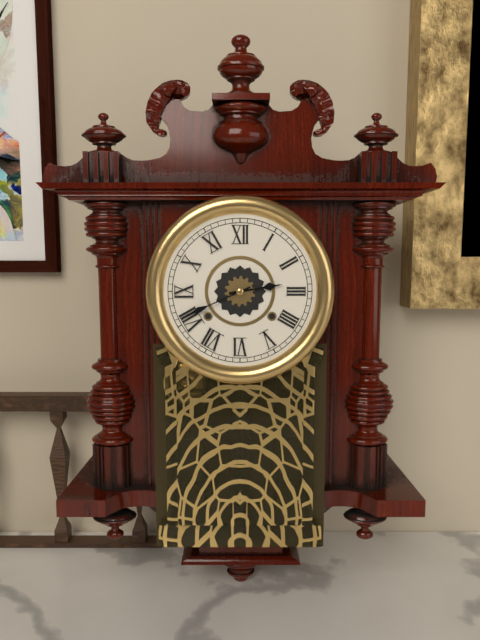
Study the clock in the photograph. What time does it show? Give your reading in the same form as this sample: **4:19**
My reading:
**2:41**
